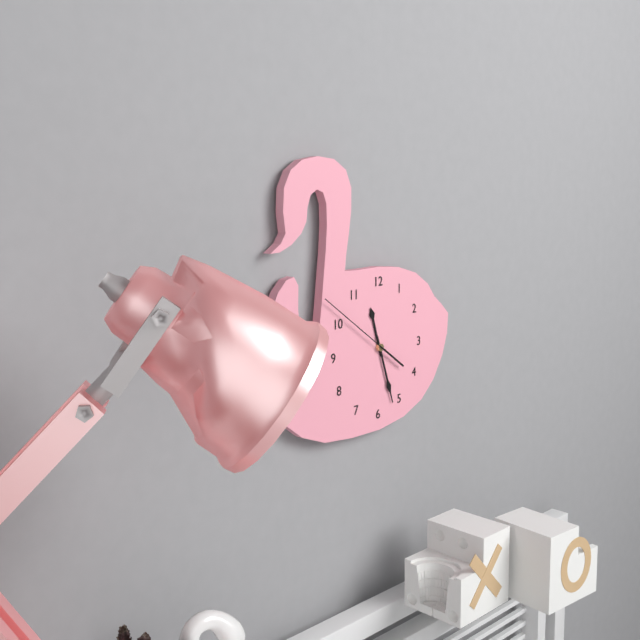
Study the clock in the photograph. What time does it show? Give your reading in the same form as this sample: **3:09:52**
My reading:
**11:27:51**
